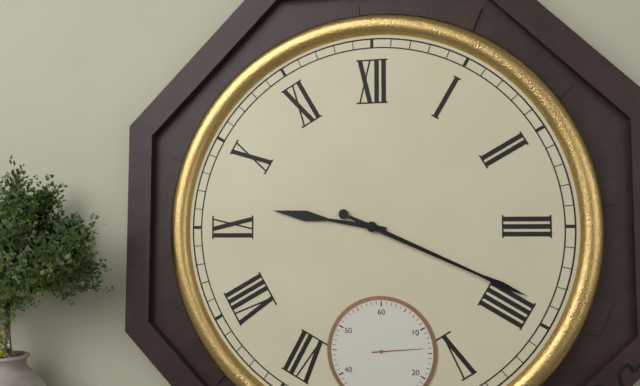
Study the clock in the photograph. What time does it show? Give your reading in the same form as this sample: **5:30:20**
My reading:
**9:19:14**
